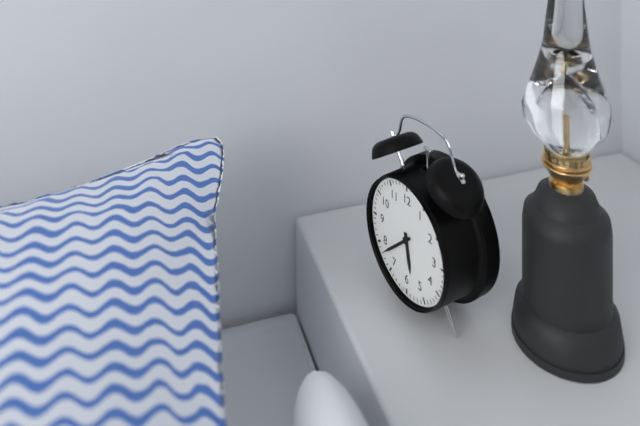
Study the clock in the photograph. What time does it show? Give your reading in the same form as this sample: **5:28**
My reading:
**5:38**
